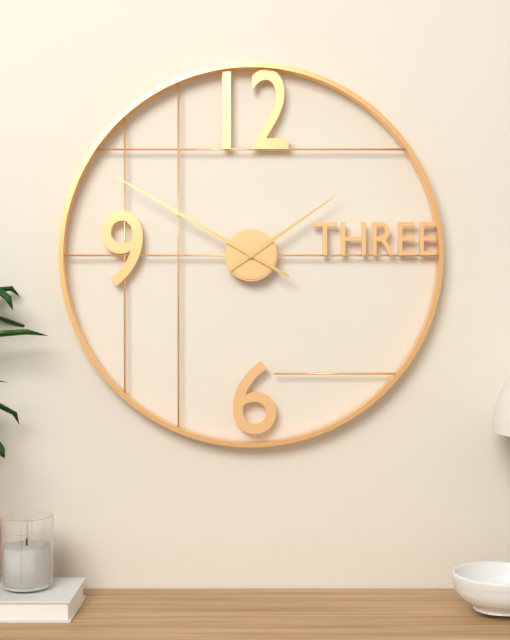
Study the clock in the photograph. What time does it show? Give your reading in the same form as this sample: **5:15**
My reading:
**1:50**
